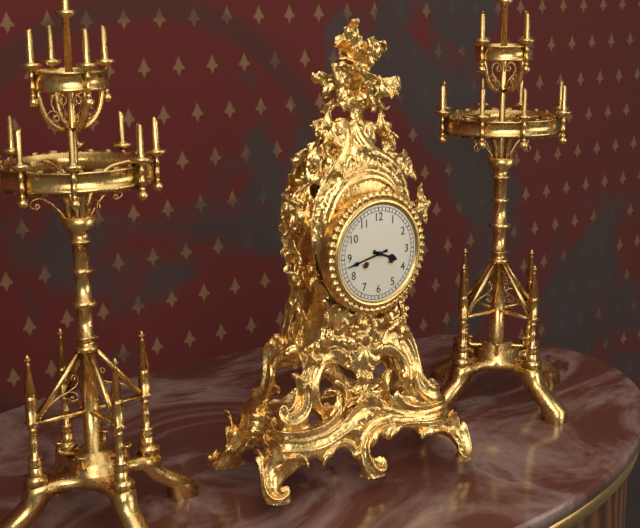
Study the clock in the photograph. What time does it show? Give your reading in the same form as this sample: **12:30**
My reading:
**3:43**
